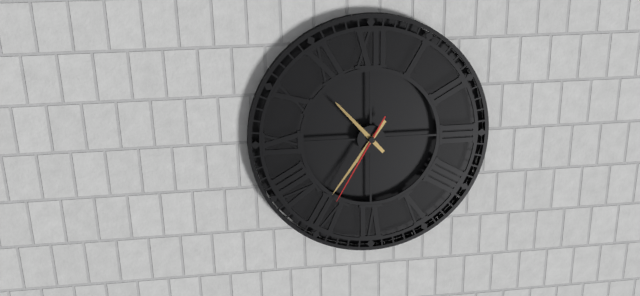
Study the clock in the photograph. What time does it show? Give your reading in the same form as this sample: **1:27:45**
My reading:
**10:36:35**
